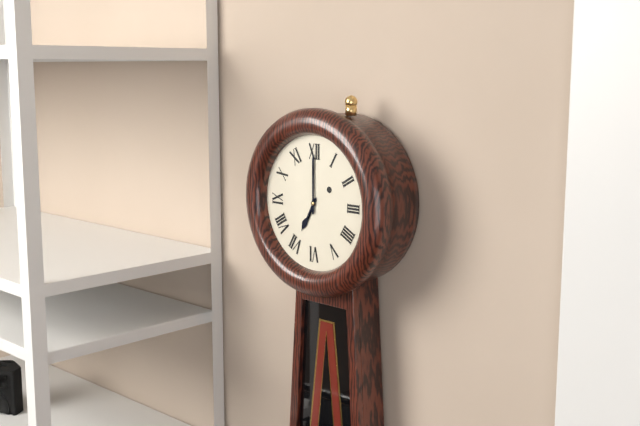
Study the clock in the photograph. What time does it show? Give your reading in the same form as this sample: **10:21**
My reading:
**7:00**
